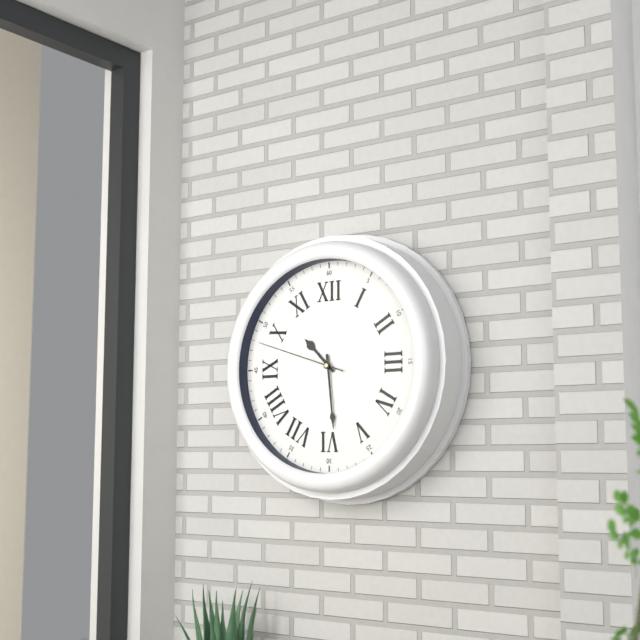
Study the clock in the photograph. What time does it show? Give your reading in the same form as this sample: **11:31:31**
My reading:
**10:29:48**
